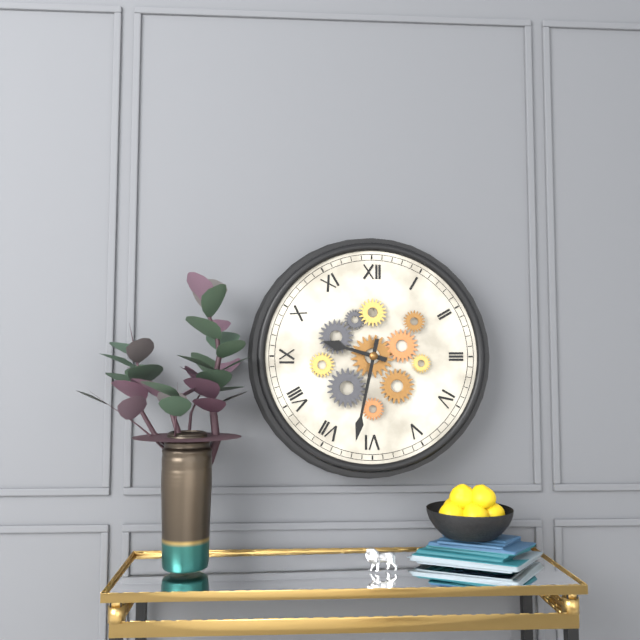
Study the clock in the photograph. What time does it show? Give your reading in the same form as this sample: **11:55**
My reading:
**9:32**
